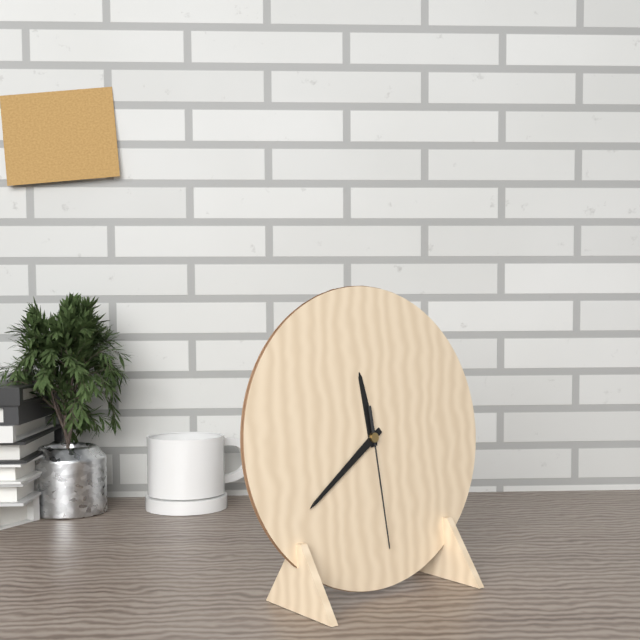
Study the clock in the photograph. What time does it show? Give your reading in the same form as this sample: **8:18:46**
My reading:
**11:39:29**
